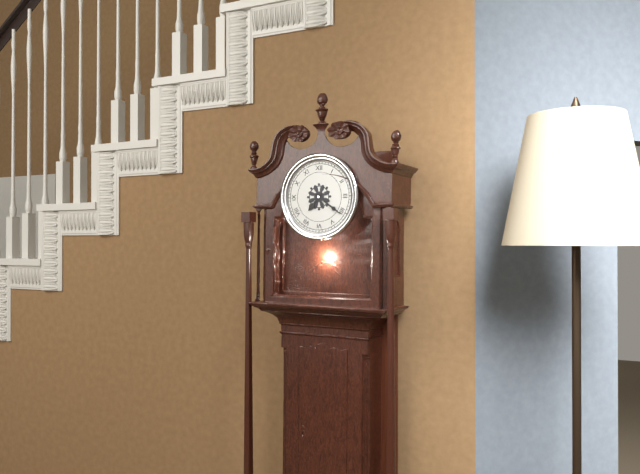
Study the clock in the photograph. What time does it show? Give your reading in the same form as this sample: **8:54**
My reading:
**7:21**
